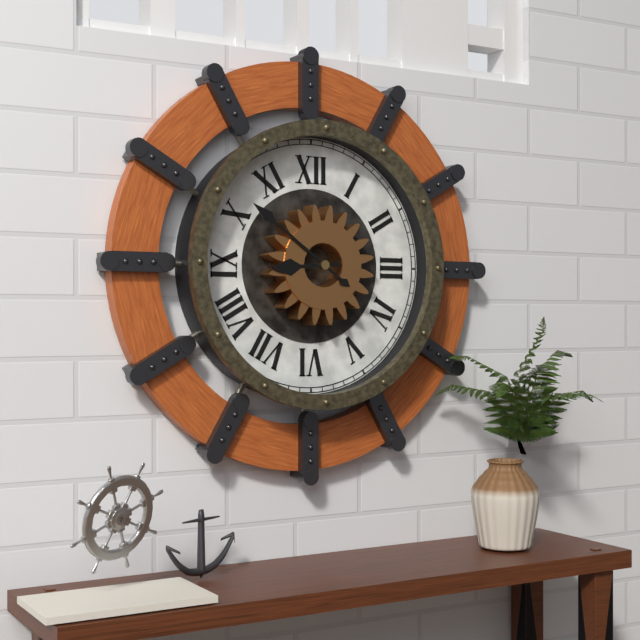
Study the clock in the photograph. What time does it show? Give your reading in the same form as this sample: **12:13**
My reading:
**8:51**
